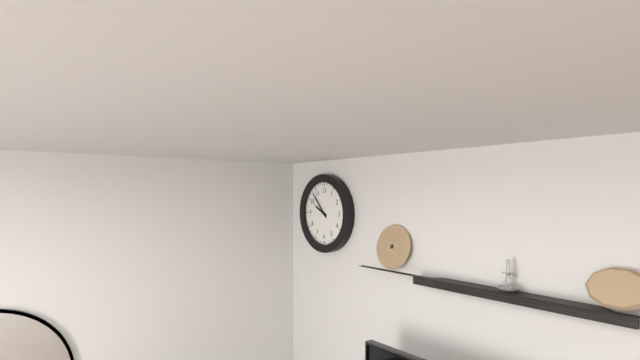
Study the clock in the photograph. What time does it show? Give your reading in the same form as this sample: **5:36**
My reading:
**9:53**
